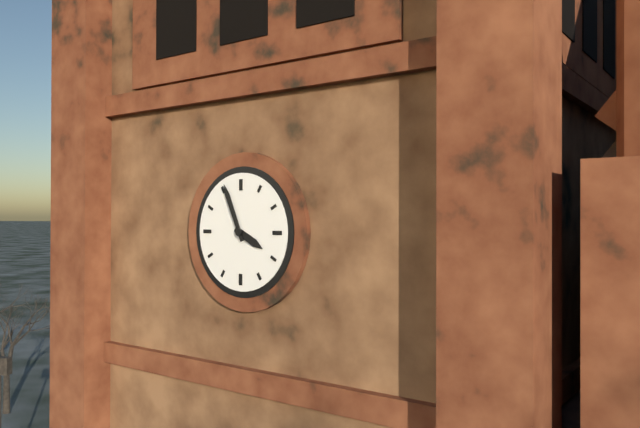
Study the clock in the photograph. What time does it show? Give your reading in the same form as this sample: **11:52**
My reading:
**3:56**
